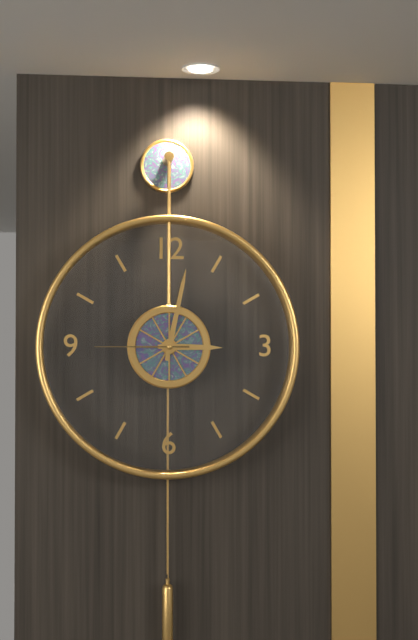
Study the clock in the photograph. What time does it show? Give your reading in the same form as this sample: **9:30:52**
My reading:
**3:02:45**
